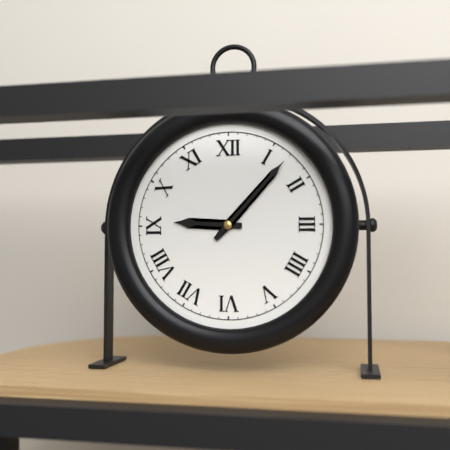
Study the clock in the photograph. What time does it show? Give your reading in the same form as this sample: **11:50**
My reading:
**9:07**
